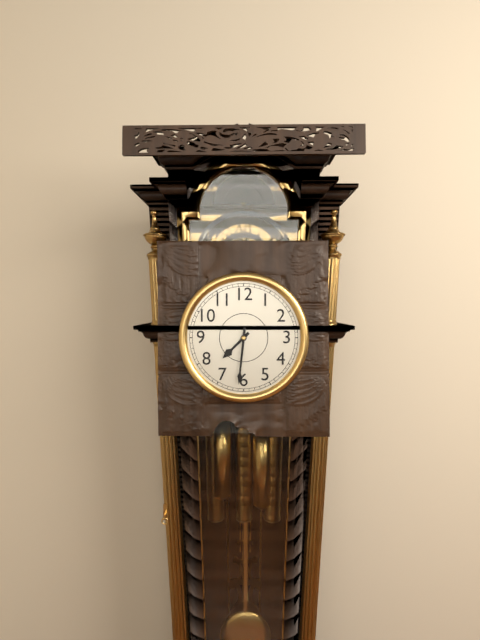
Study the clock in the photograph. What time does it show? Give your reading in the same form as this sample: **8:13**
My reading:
**7:31**
